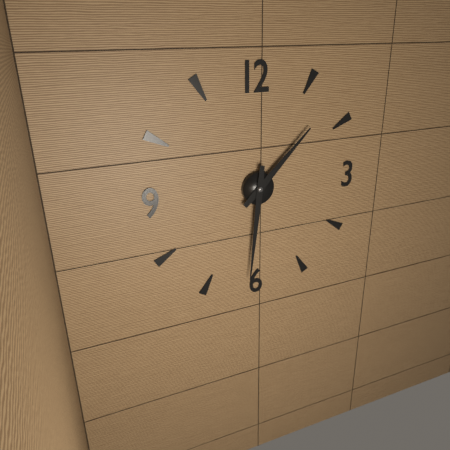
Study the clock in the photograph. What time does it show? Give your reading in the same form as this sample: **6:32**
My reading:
**1:31**
